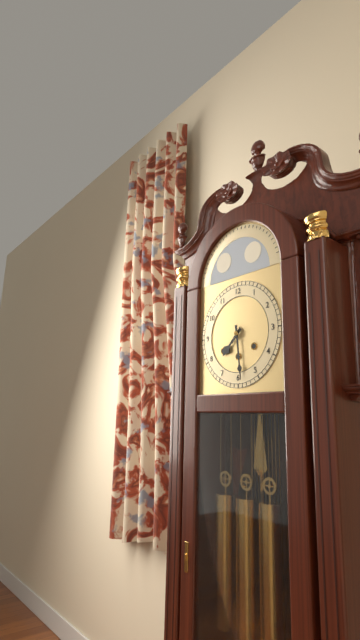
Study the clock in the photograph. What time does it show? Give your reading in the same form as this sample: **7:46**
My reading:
**7:29**
